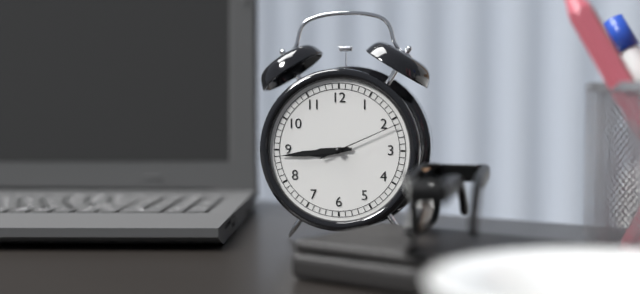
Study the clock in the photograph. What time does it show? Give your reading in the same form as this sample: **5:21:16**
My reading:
**8:44:11**
